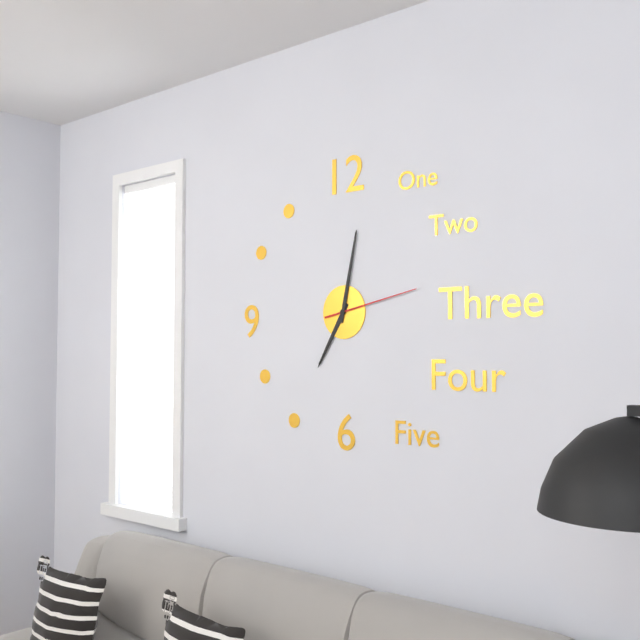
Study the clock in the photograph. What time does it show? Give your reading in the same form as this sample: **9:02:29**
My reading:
**7:02:13**
